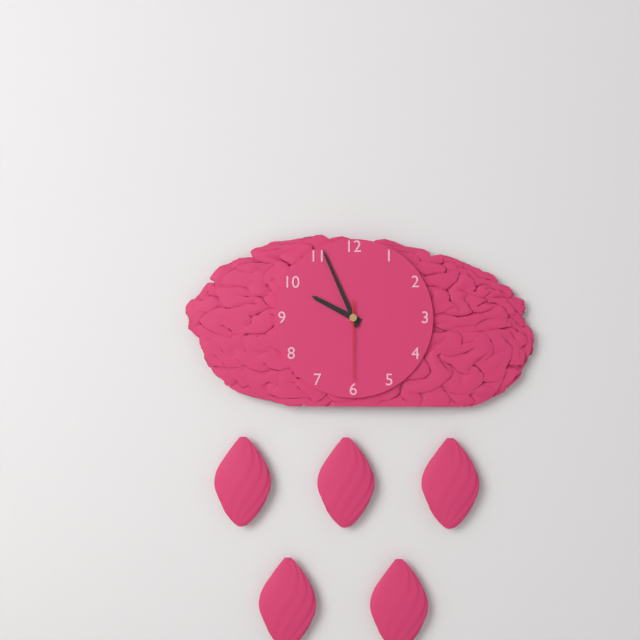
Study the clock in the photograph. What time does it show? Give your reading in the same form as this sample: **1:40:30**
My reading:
**9:56:30**
